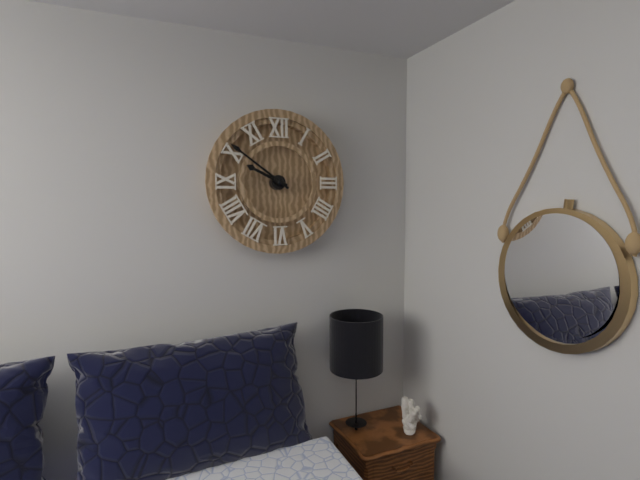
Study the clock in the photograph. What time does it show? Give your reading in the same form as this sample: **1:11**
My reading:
**9:51**
